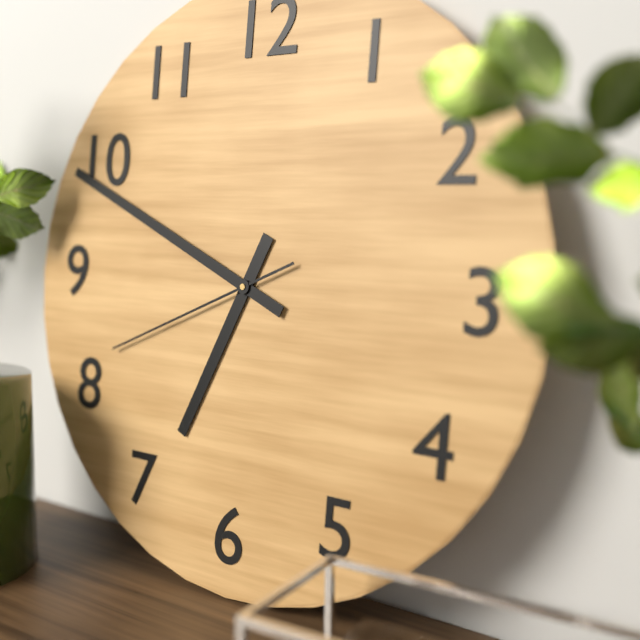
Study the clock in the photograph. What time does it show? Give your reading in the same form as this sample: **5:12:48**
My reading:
**6:49:41**
